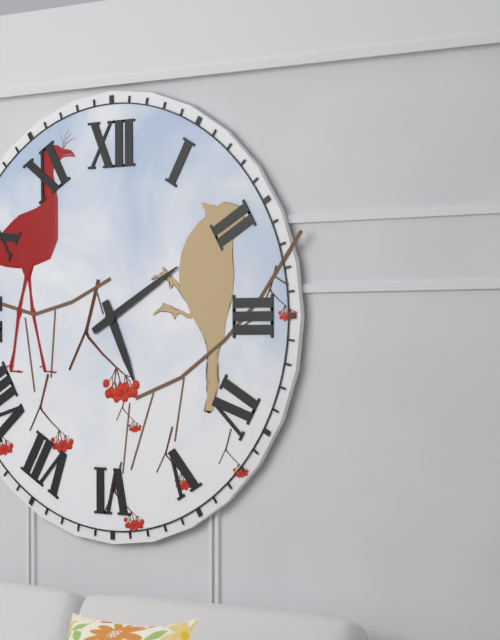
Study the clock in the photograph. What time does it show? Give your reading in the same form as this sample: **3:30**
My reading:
**5:10**
